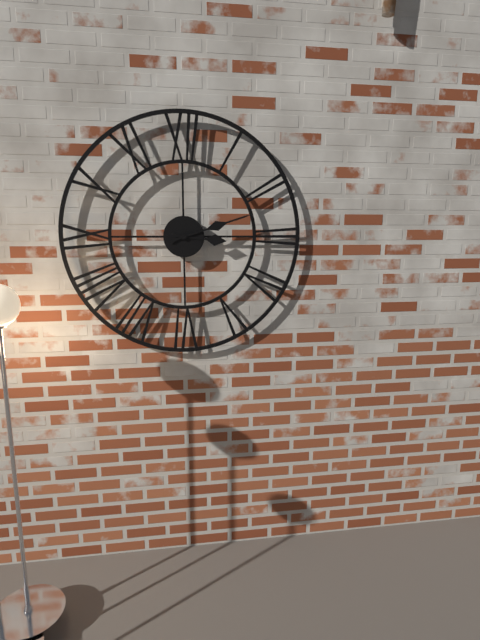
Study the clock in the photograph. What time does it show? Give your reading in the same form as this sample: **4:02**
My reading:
**3:12**
